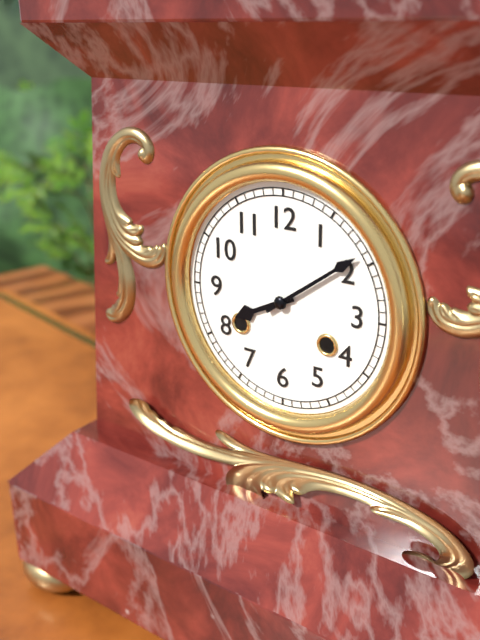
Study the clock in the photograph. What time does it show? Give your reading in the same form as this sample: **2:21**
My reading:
**8:09**
